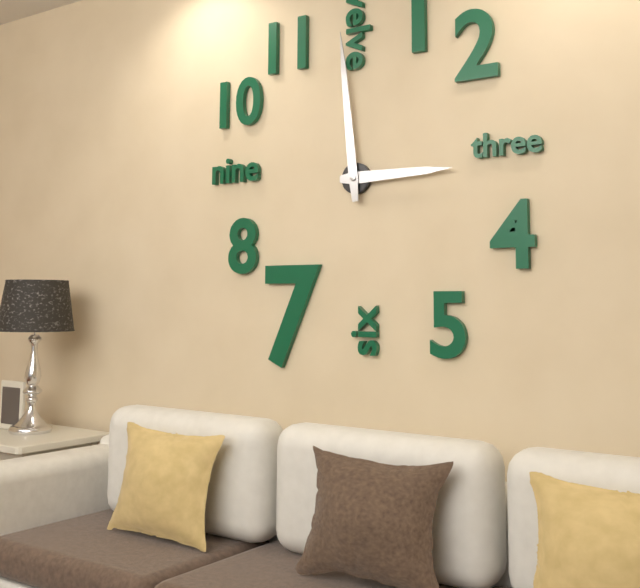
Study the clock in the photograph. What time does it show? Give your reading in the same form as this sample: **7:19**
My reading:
**2:59**
